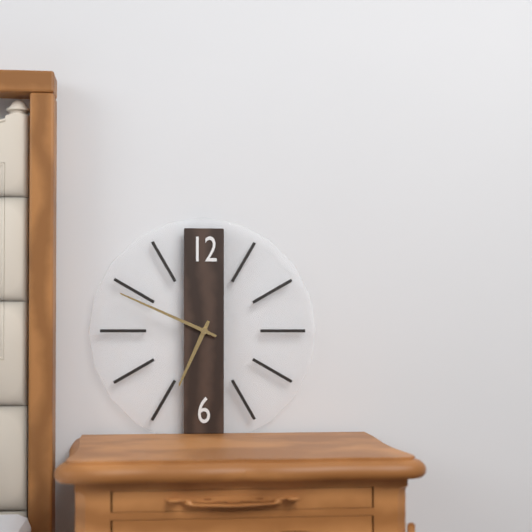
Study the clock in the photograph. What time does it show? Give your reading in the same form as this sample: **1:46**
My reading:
**6:49**
